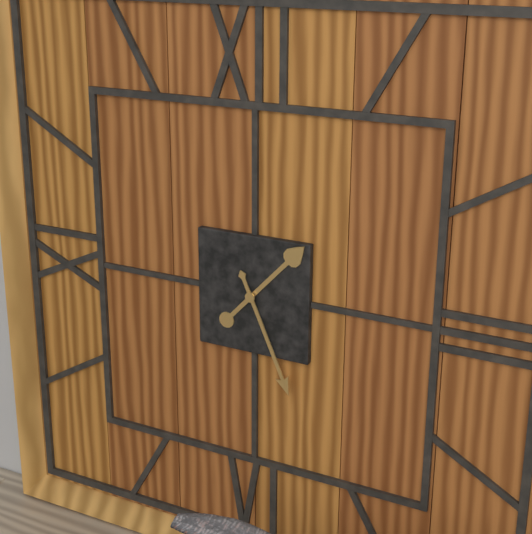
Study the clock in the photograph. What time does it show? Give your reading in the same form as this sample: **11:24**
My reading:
**1:26**
